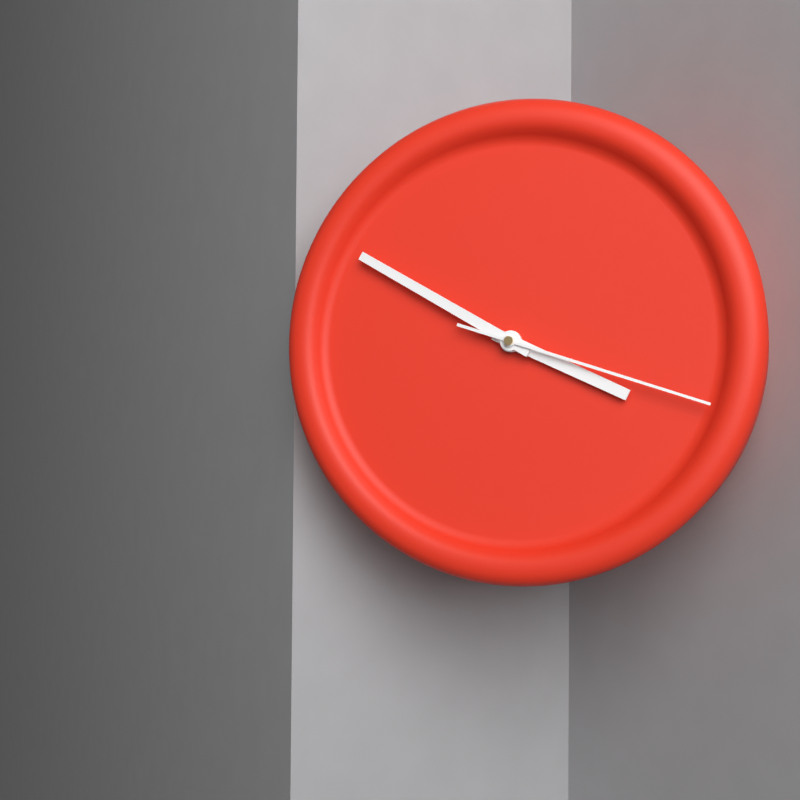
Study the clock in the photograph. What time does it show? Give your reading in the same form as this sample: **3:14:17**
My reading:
**3:50:18**
